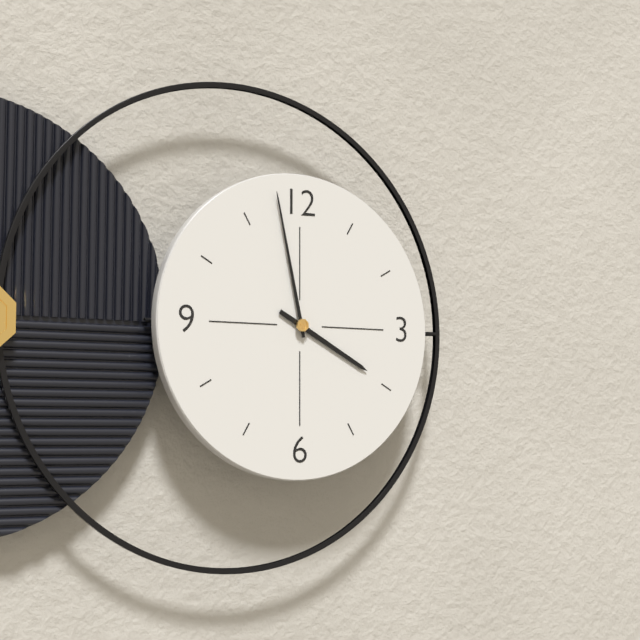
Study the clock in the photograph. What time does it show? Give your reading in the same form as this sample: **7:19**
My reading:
**3:58**
